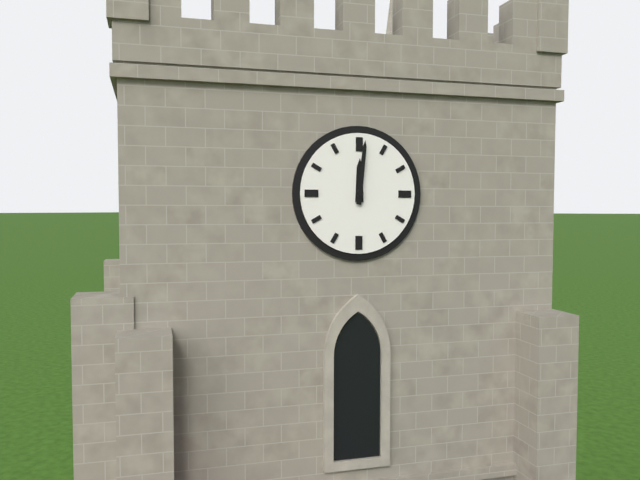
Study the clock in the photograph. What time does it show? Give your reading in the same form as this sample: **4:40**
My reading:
**12:01**
